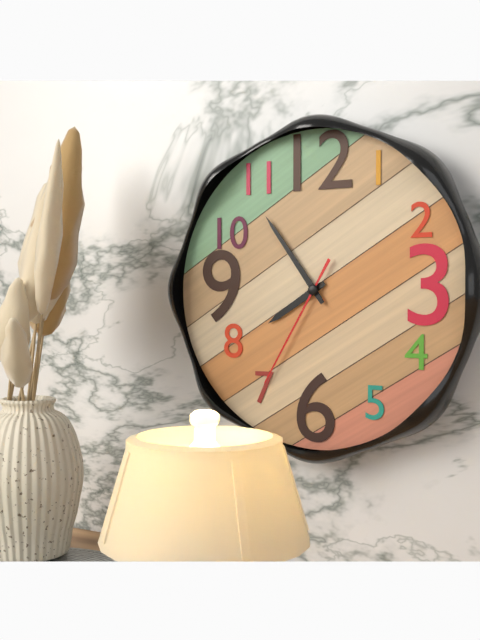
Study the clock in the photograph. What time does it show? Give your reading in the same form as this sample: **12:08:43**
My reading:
**7:54:35**
